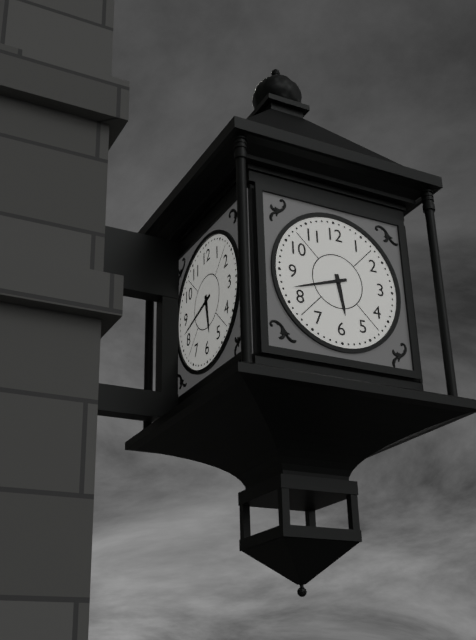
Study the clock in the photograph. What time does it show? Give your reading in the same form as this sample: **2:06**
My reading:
**5:42**
